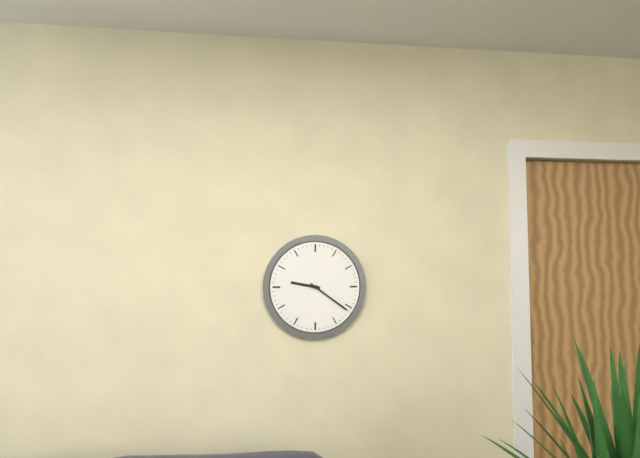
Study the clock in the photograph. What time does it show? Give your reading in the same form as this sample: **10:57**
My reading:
**9:21**
